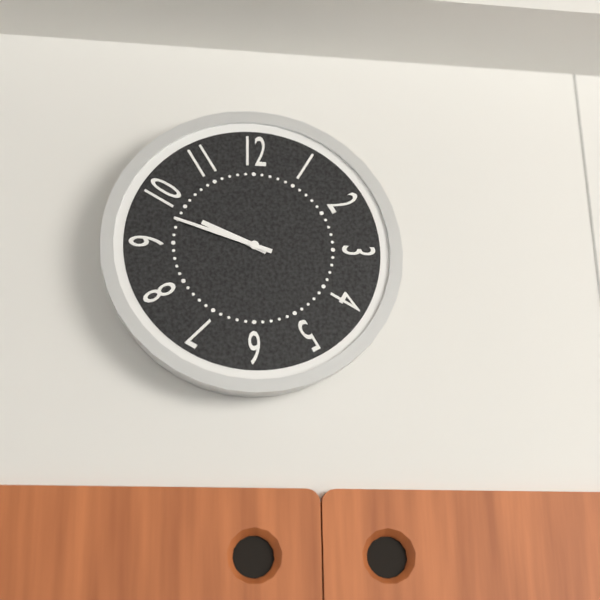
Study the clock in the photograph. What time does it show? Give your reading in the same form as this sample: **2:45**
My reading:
**9:48**
